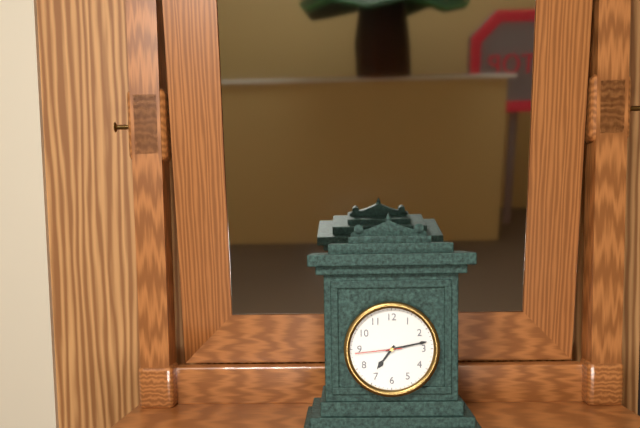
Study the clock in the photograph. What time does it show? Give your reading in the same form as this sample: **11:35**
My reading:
**7:13**
